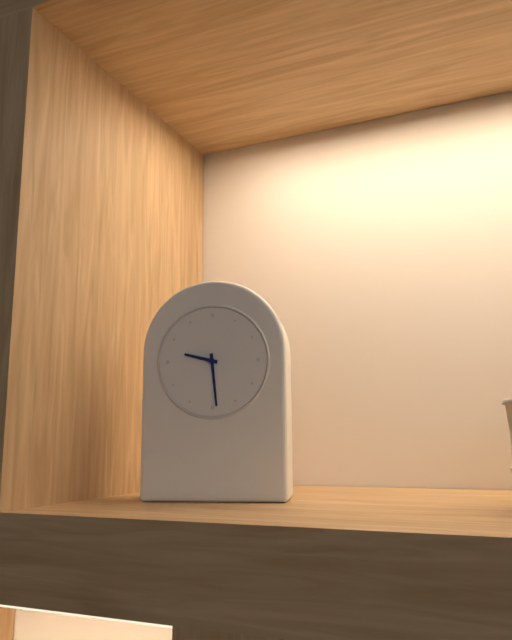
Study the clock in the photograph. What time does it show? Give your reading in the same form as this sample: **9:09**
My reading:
**9:29**
